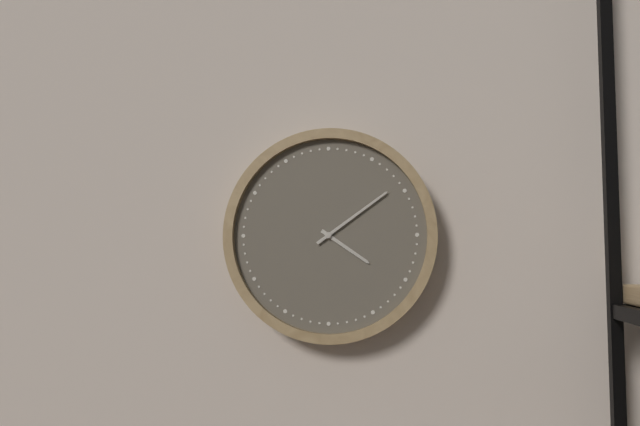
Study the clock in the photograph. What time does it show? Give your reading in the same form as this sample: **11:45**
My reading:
**4:09**
